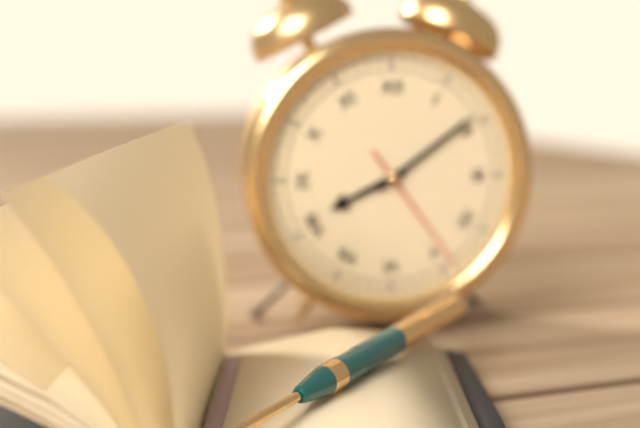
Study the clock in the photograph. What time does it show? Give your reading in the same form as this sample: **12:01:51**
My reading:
**8:09:24**
